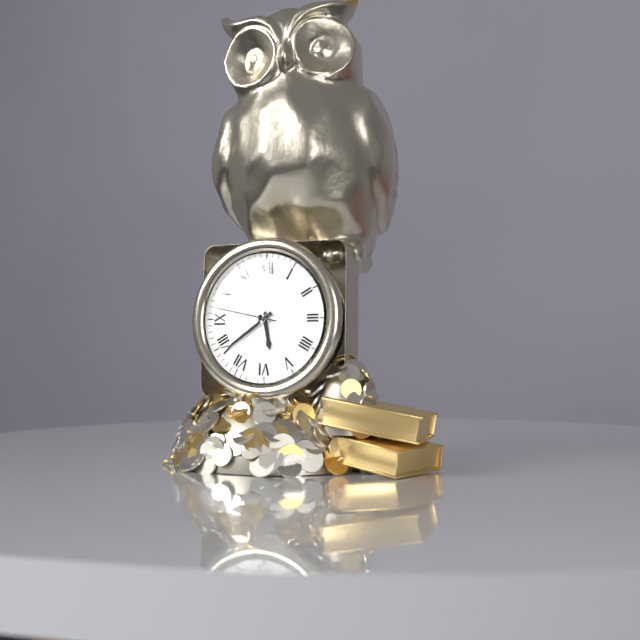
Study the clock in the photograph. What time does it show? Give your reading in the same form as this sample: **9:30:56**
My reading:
**5:39:47**
